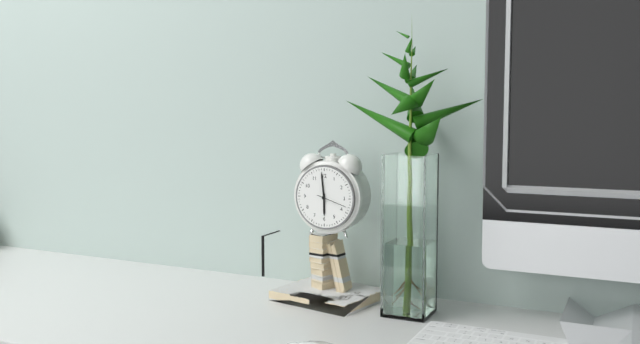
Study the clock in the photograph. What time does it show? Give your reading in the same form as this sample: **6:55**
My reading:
**5:59**
